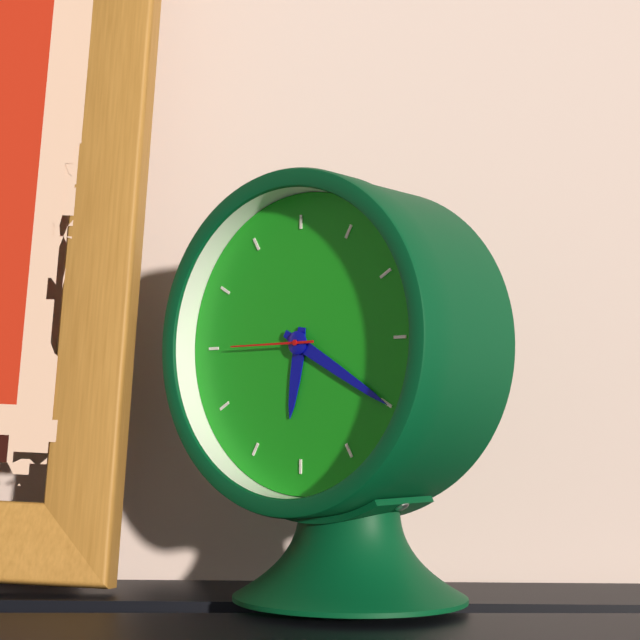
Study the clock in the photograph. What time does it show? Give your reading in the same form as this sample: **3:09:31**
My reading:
**6:20:45**
